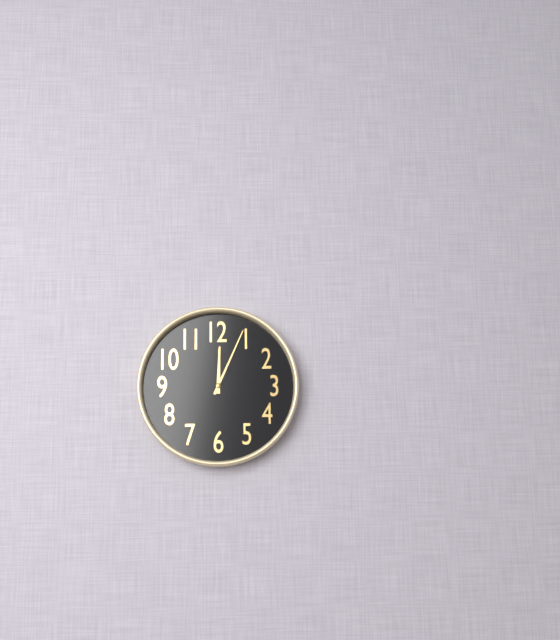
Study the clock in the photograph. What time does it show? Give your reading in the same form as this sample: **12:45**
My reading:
**12:04**
